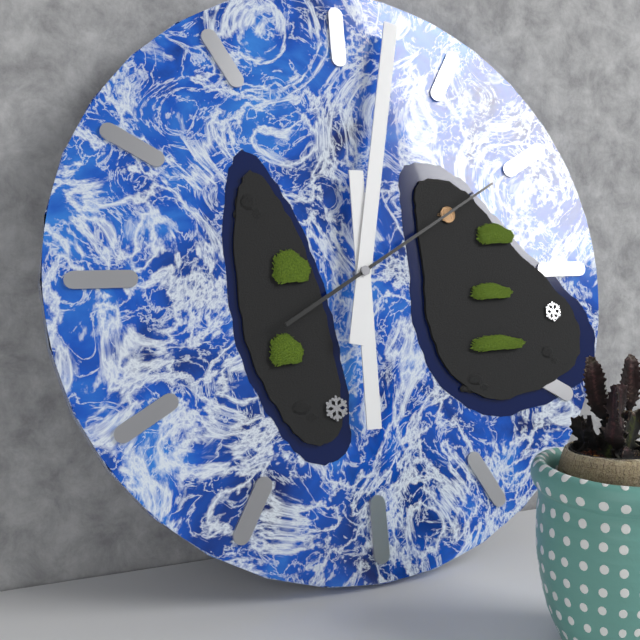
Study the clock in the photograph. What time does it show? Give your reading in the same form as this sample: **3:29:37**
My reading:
**6:02:10**
